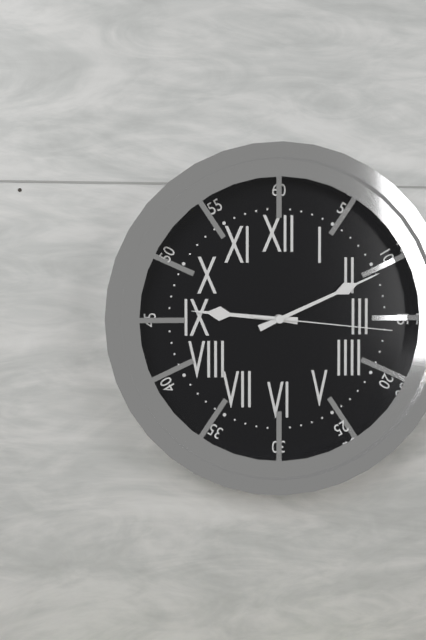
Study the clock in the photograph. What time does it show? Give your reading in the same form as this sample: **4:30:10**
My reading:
**9:11:16**
